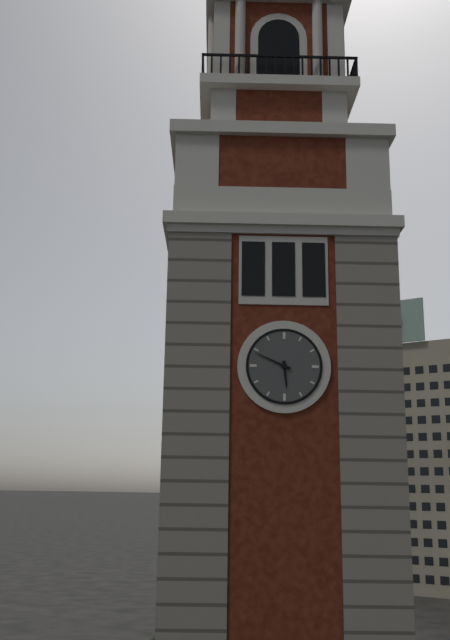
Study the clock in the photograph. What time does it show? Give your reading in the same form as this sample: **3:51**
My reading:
**5:49**
